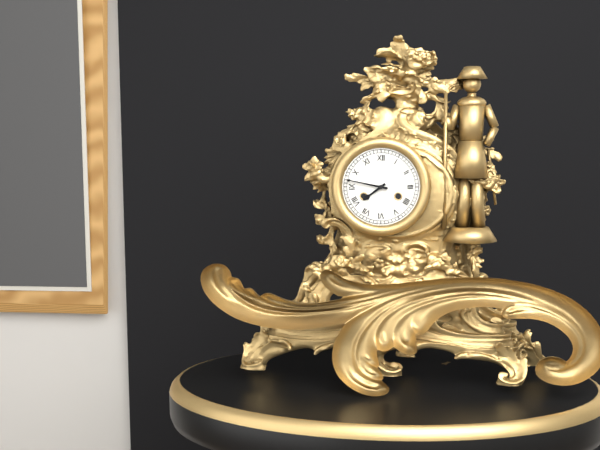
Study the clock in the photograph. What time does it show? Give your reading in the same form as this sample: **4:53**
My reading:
**7:47**
